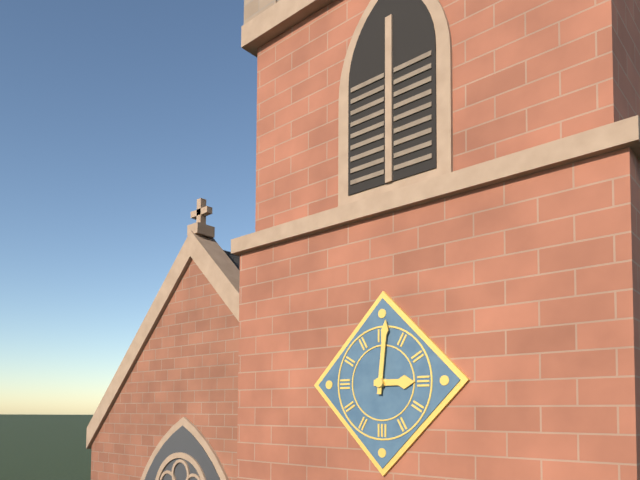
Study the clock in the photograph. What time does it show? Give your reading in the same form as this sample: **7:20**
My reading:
**3:01**
